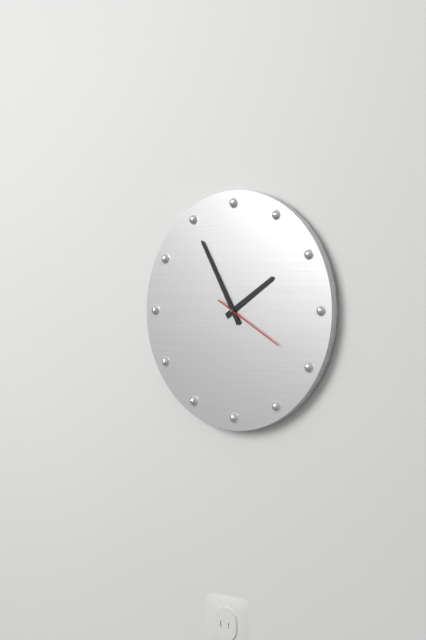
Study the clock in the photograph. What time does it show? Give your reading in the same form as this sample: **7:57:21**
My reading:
**1:55:20**
